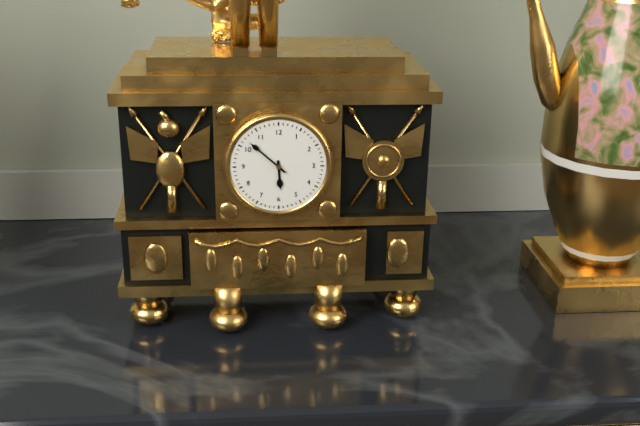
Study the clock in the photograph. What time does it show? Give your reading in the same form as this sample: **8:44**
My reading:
**5:52**
